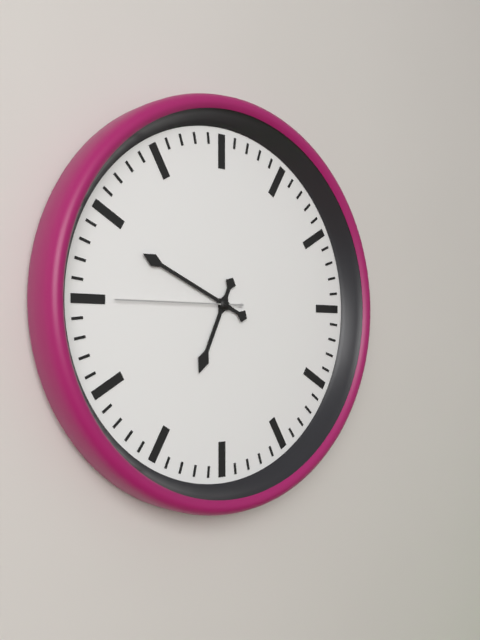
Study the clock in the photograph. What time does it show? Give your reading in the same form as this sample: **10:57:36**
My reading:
**6:49:45**
